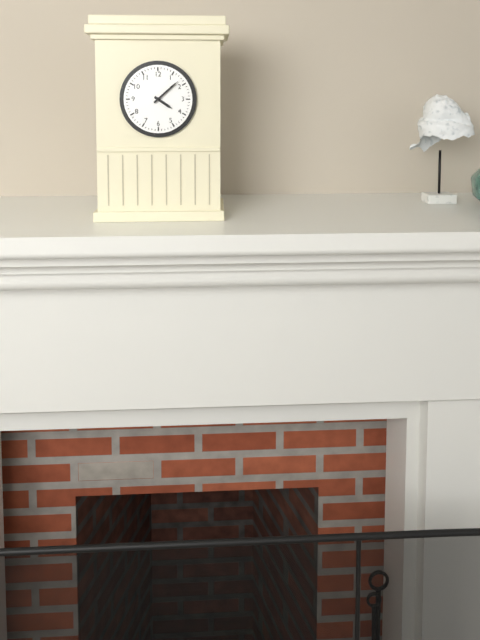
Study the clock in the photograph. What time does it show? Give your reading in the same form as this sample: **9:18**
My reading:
**4:08**
